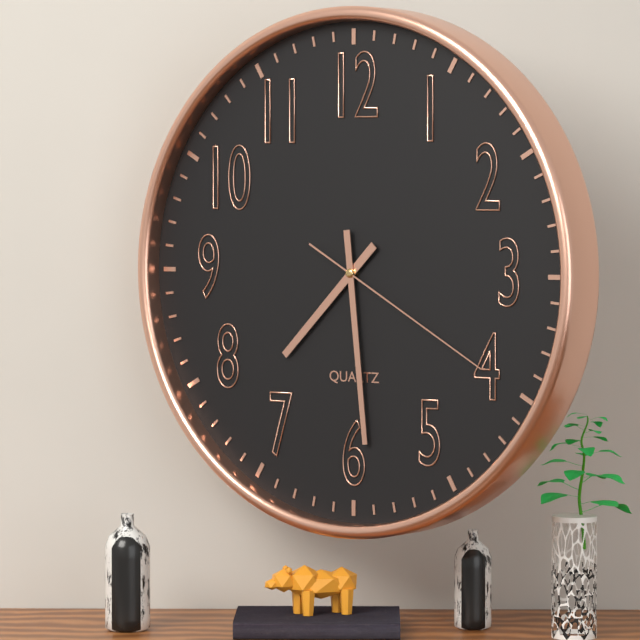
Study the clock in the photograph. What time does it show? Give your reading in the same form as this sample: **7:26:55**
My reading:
**7:29:20**
